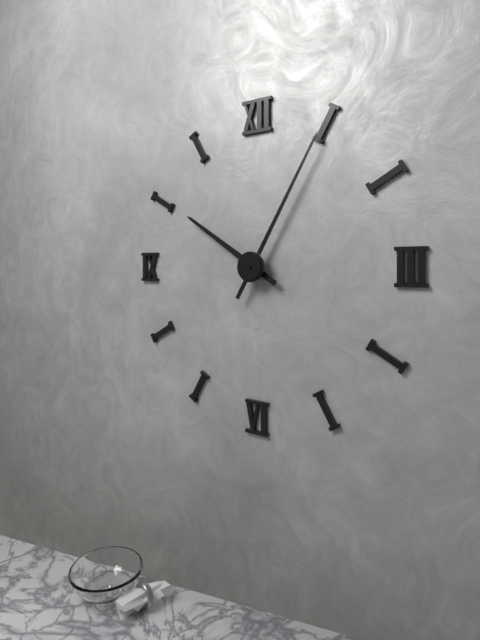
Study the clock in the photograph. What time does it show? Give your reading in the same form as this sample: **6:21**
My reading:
**10:05**
